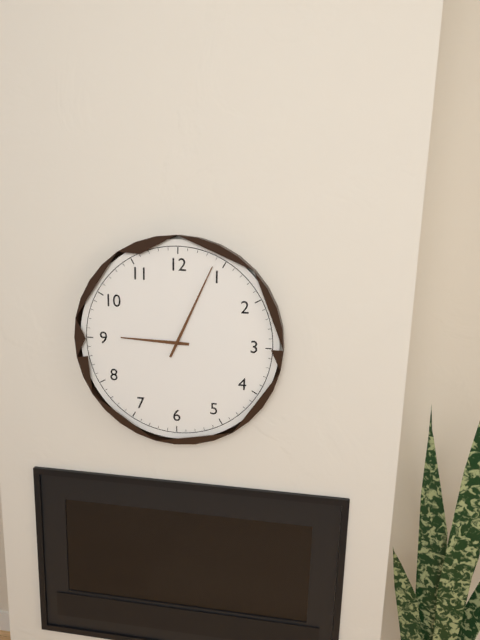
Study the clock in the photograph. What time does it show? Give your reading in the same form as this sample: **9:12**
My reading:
**9:04**
